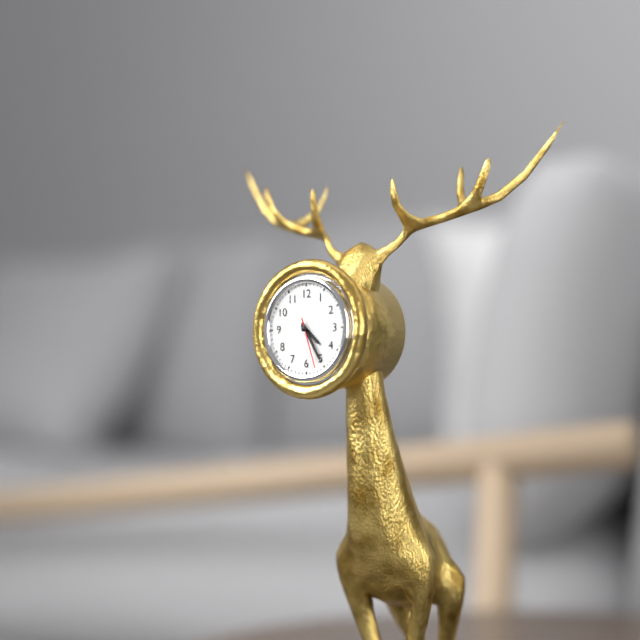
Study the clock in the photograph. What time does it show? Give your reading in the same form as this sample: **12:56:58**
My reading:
**4:25:27**
